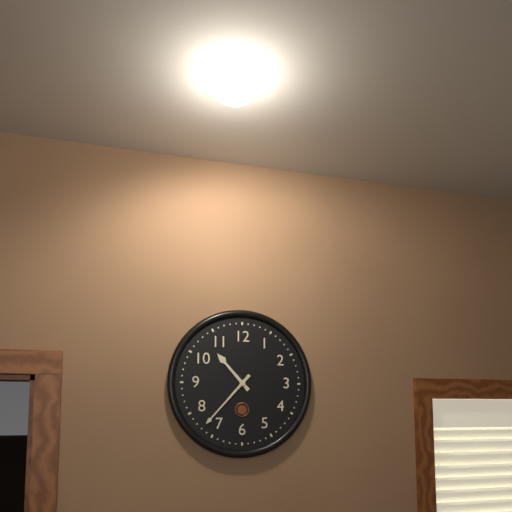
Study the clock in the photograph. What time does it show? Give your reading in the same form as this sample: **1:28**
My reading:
**10:37**
